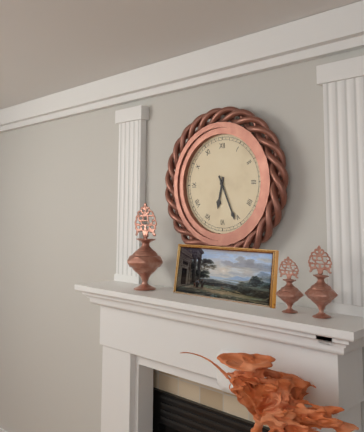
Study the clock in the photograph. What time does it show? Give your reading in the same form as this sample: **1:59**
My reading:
**6:26**
